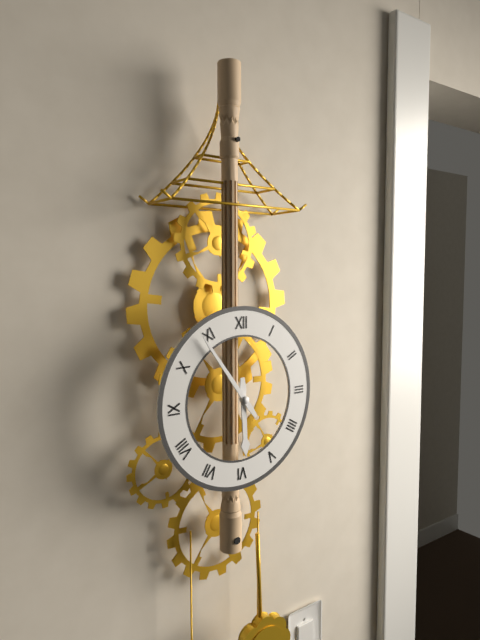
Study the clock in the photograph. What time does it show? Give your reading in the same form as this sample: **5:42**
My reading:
**5:54**
